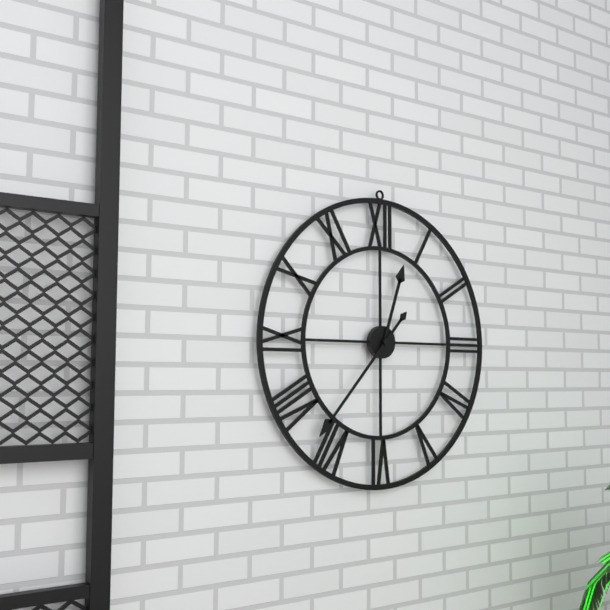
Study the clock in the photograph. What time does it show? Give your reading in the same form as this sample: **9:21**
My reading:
**12:37**
